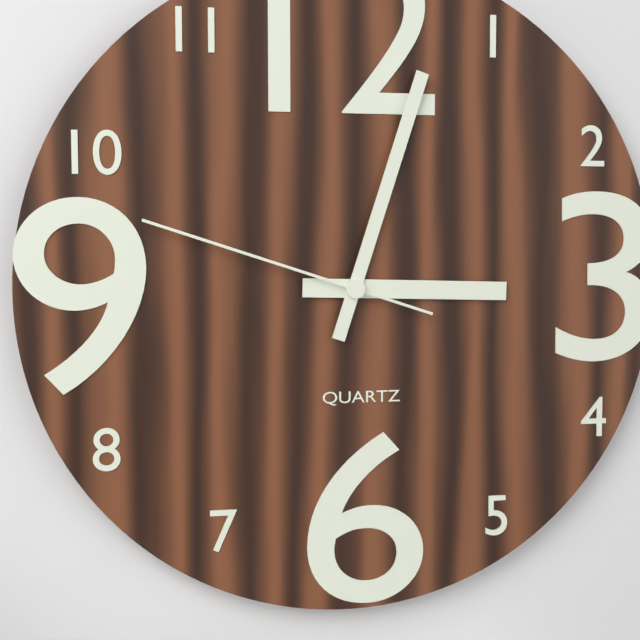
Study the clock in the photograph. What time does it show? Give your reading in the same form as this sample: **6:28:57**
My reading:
**3:03:48**
